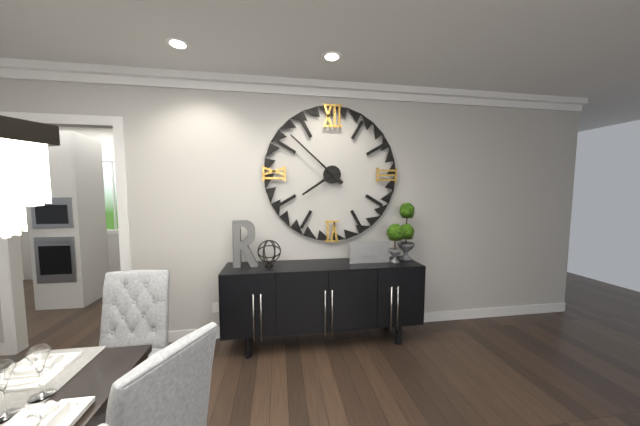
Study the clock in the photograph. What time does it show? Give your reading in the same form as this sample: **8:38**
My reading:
**7:52**
